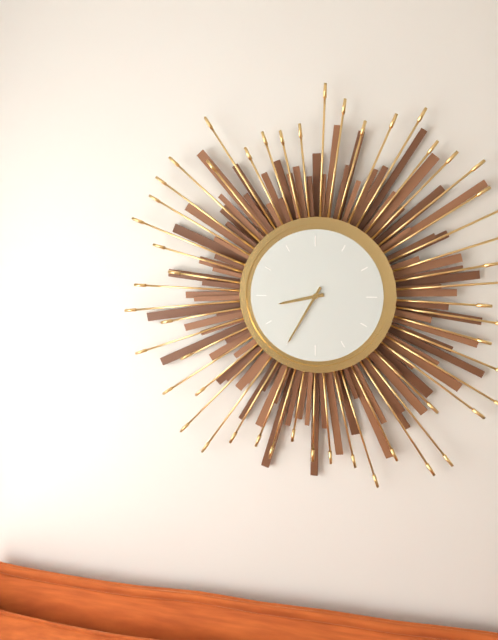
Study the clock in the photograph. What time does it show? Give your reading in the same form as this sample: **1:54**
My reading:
**8:35**
